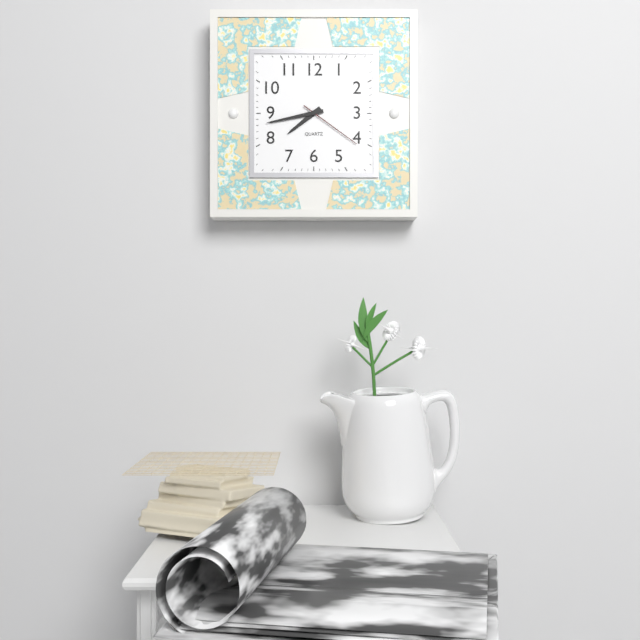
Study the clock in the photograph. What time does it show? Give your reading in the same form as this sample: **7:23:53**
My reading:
**7:43:21**
